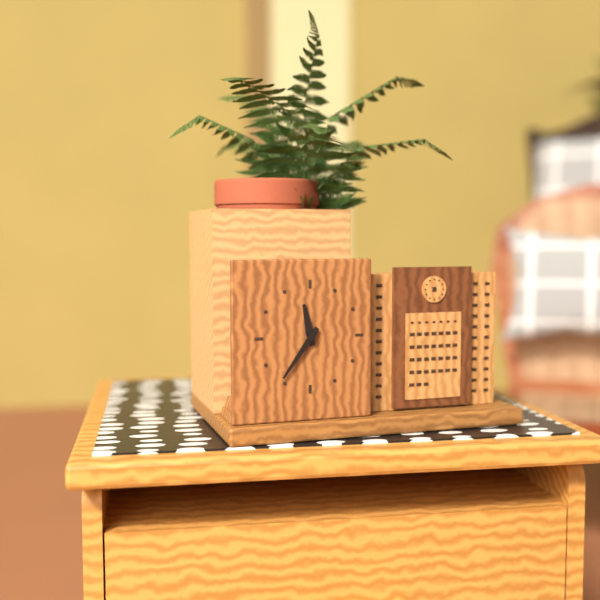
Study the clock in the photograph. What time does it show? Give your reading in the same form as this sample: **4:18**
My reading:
**11:36**
